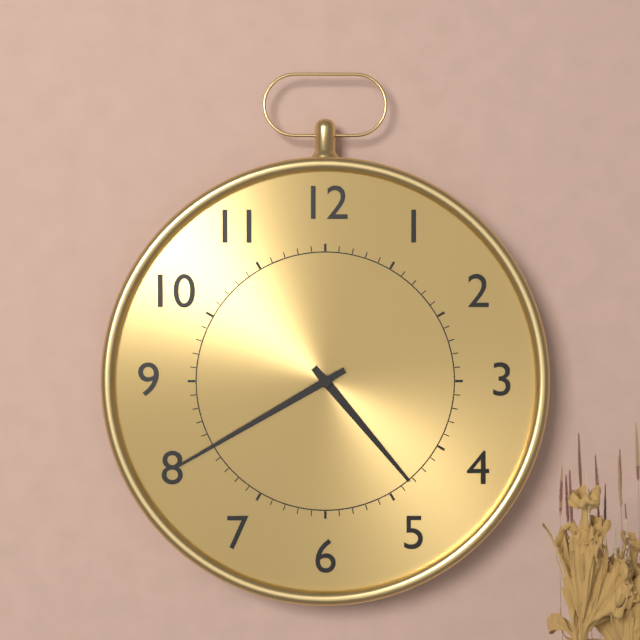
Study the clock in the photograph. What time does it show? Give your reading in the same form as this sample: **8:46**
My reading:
**4:40**
